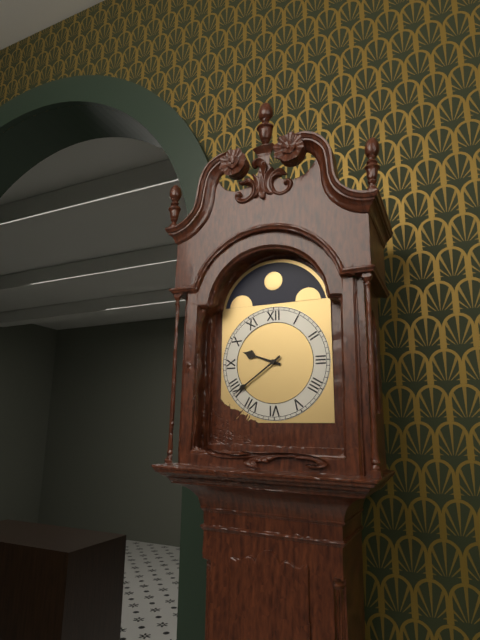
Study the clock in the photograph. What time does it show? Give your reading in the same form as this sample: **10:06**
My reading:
**9:39**
